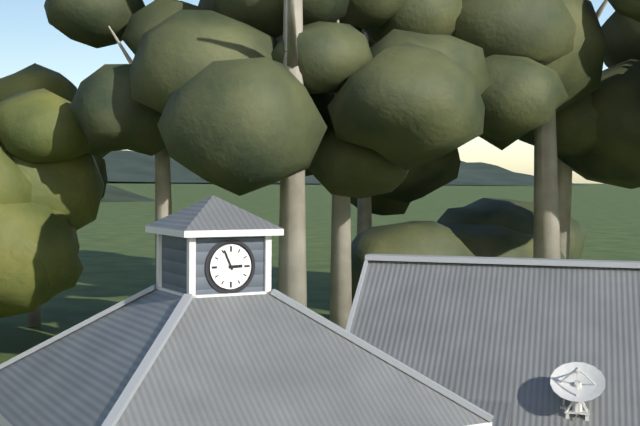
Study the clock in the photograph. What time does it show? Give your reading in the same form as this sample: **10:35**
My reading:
**2:56**
